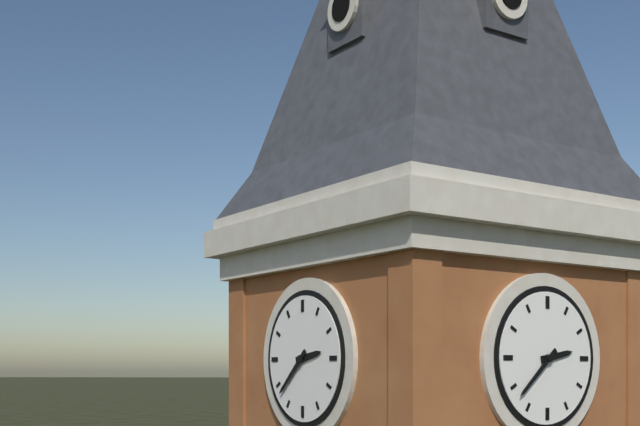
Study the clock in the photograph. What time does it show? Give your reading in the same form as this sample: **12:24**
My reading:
**2:38**
